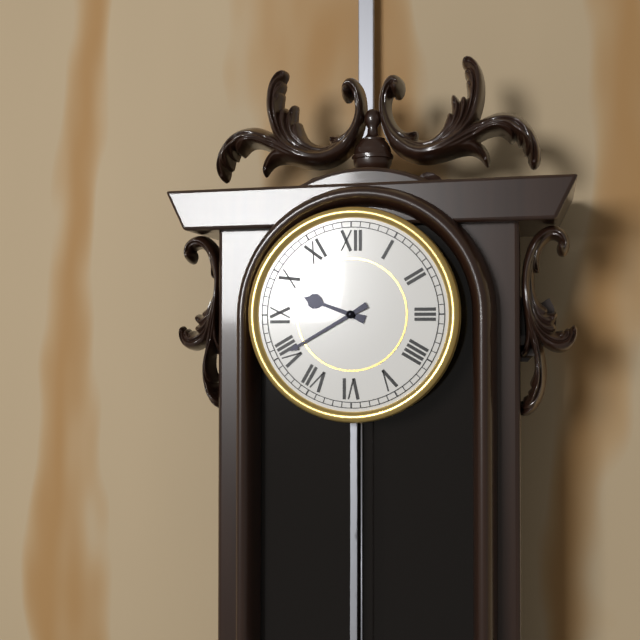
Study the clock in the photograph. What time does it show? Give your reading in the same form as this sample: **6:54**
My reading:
**9:40**
